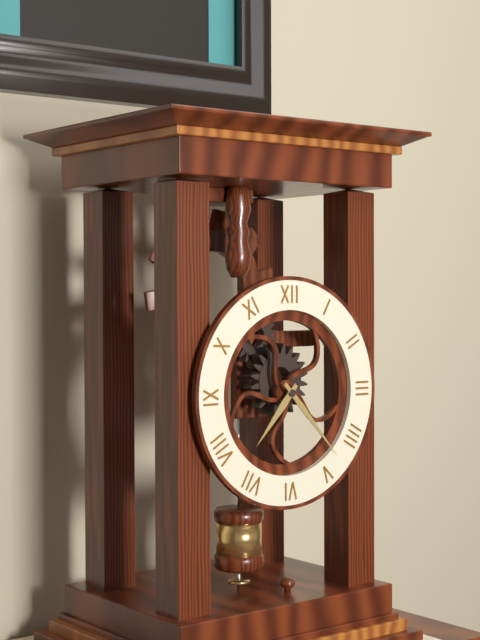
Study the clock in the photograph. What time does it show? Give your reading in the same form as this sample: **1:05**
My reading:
**7:23**
